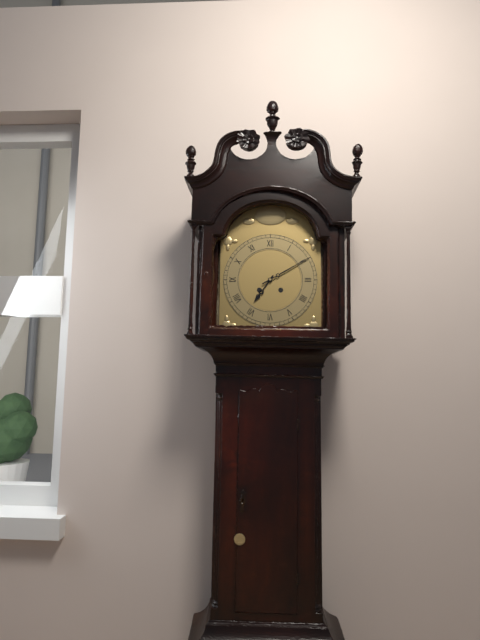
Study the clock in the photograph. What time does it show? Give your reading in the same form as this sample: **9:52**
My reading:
**7:10**
